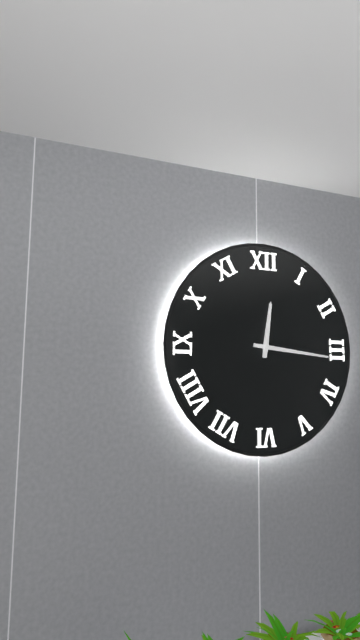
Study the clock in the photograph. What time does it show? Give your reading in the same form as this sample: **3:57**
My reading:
**12:16**
